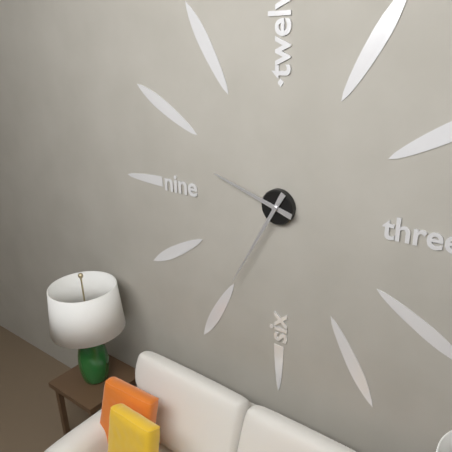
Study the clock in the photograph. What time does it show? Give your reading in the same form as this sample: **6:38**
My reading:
**9:35**
